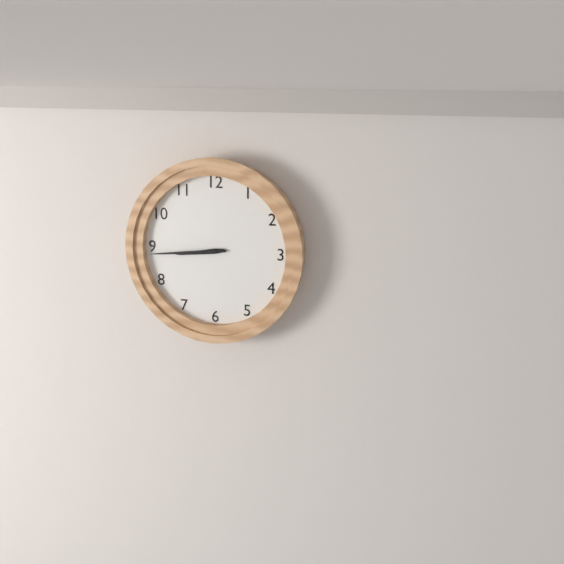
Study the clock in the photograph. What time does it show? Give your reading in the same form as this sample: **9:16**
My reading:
**8:44**
